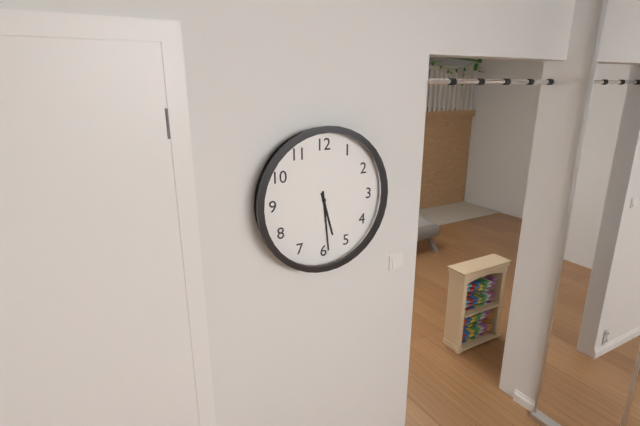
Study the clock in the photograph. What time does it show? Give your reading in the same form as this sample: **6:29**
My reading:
**5:29**
